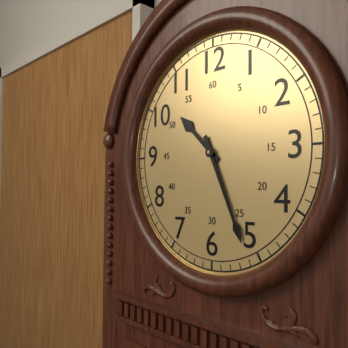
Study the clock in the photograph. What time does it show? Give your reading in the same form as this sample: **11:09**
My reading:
**10:26**
